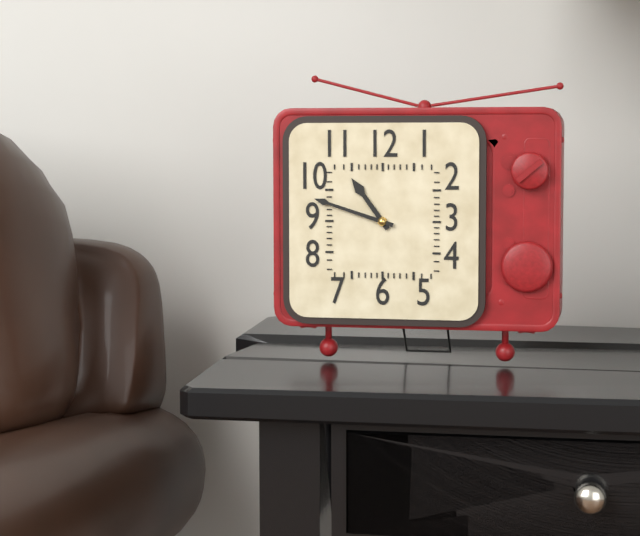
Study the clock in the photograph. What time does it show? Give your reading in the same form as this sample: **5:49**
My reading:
**10:48**
